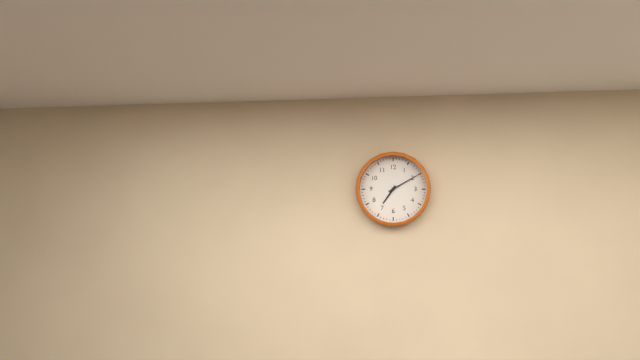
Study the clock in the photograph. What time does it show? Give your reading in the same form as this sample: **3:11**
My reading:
**7:10**
